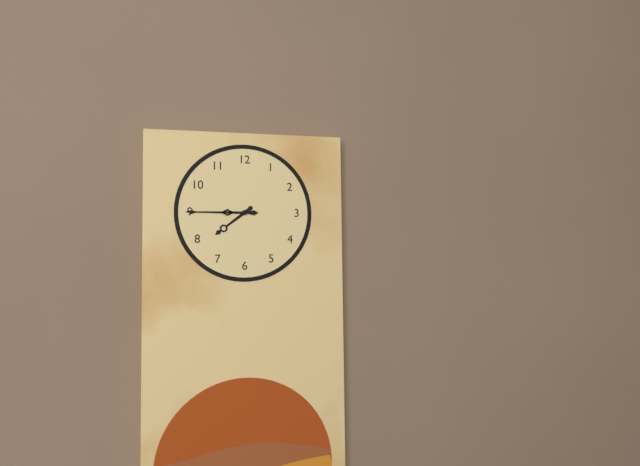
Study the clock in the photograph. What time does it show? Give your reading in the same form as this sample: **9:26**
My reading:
**7:45**
